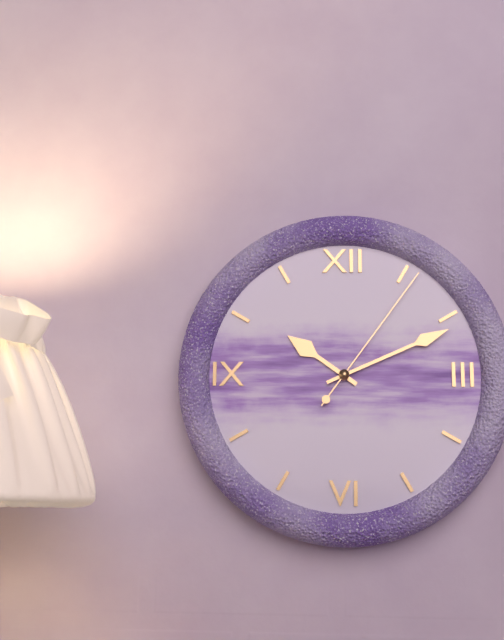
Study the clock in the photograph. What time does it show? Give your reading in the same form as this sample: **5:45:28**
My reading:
**10:11:06**
